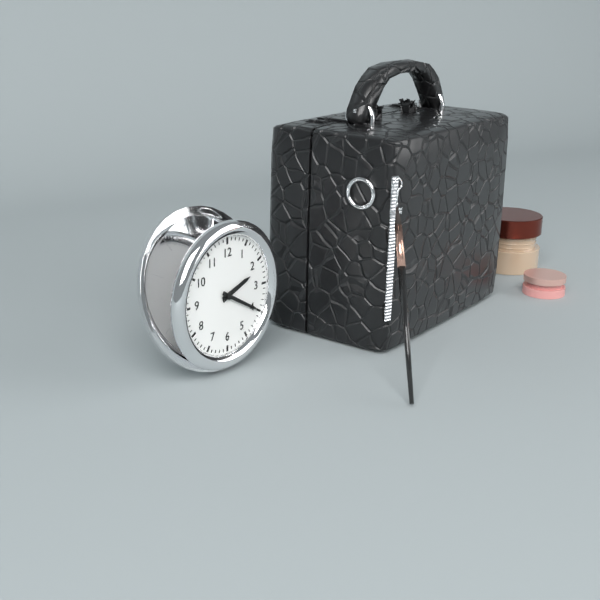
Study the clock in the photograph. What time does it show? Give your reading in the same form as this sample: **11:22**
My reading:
**2:20**
